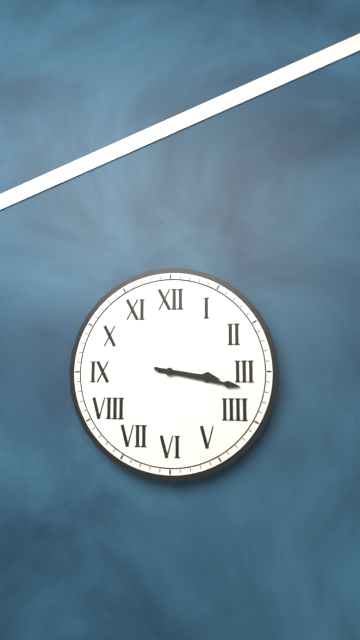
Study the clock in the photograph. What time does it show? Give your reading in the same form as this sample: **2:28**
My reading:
**3:17**
